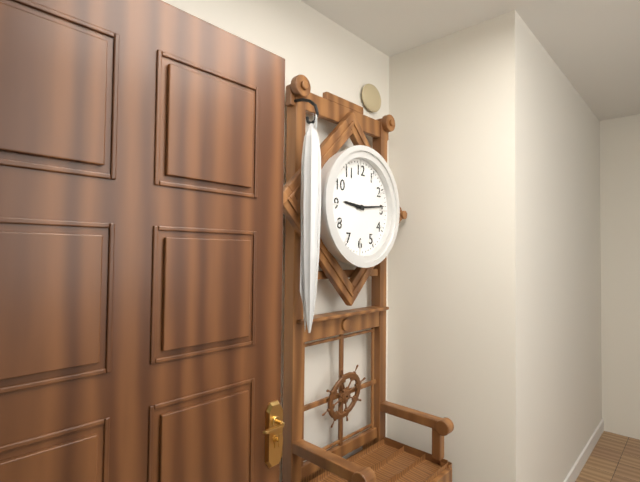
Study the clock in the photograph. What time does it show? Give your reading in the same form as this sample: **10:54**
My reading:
**9:14**
